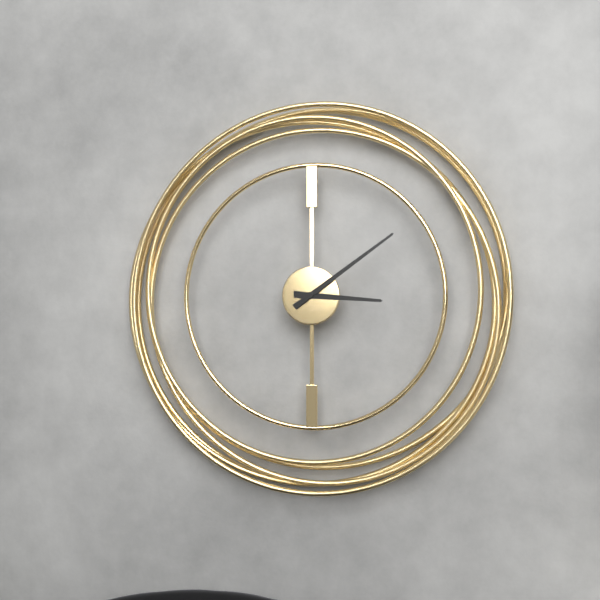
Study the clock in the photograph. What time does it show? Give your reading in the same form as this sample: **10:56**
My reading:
**3:09**
